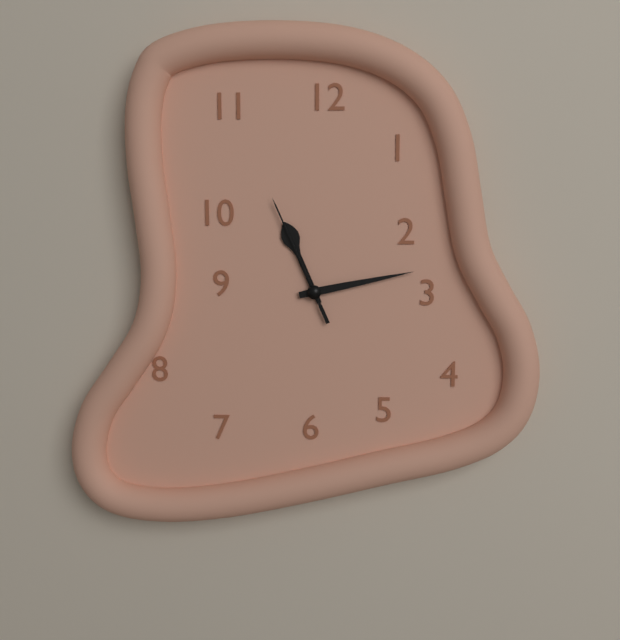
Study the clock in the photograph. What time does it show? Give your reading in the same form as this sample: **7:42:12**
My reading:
**11:13:56**
